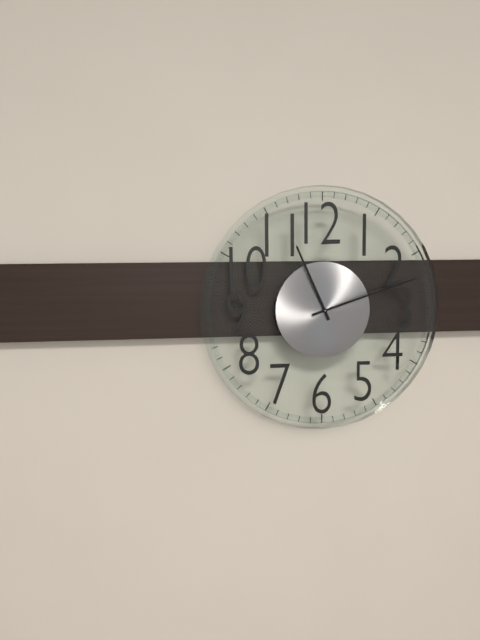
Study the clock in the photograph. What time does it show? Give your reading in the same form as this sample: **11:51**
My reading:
**11:12**
